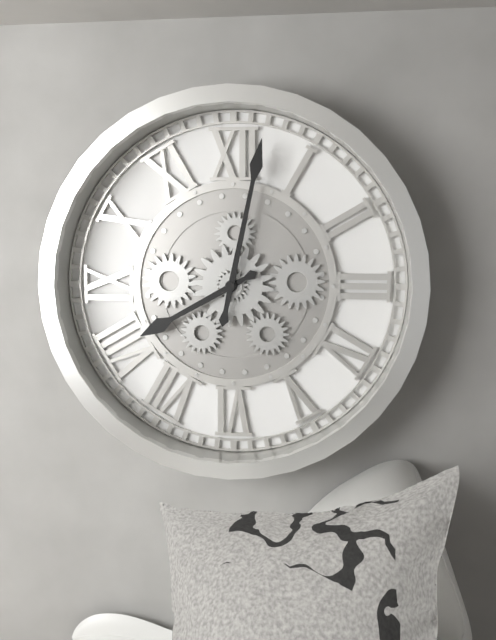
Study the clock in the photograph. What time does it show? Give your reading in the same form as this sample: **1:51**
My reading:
**8:02**
